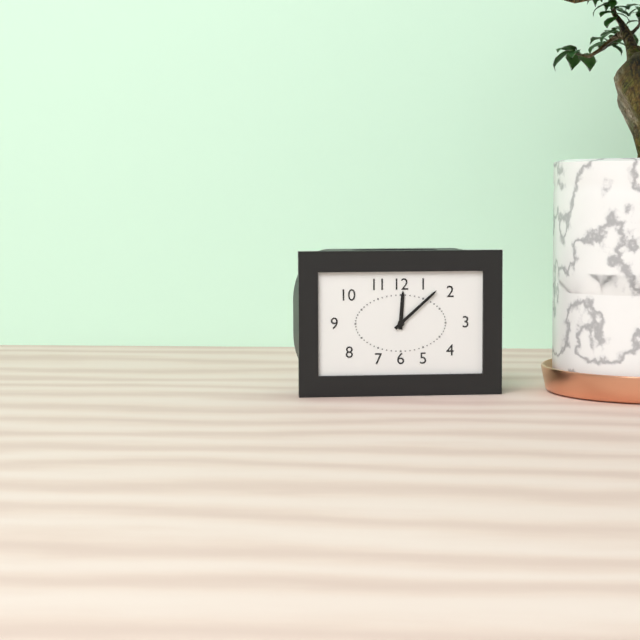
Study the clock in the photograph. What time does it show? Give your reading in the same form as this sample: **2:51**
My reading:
**12:08**
